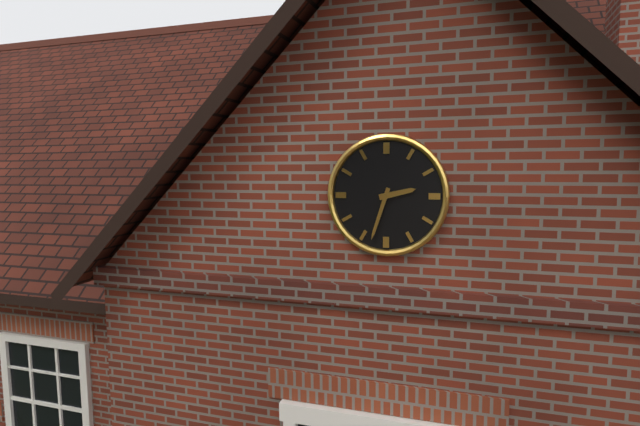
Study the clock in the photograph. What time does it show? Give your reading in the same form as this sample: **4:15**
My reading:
**2:33**
